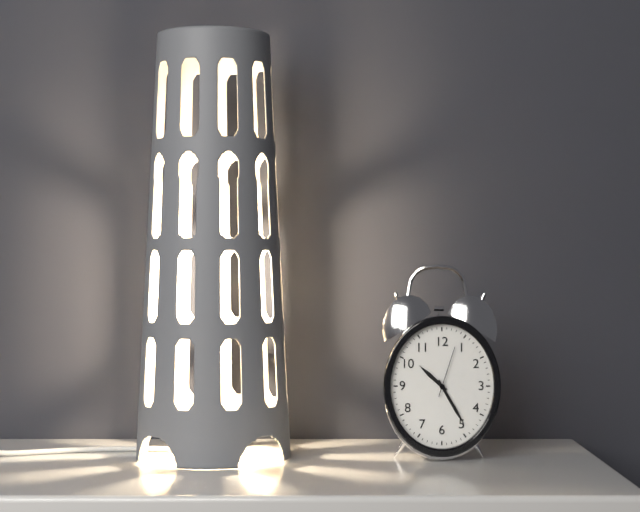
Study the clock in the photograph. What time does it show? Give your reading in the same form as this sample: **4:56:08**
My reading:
**10:25:03**
